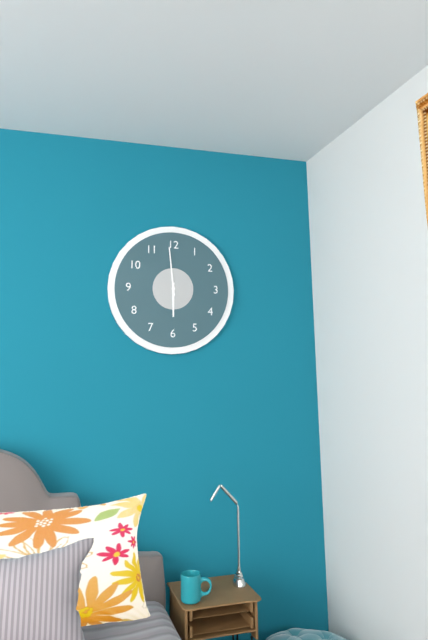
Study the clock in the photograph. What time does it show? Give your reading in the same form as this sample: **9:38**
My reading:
**5:59**
